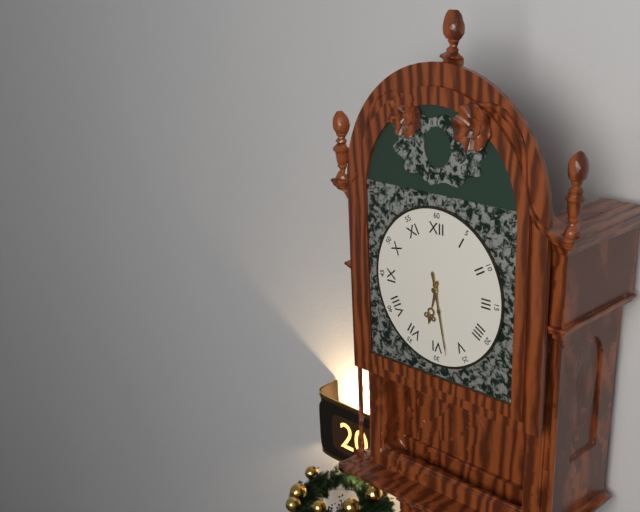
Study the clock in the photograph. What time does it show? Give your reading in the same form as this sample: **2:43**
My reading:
**6:28**
